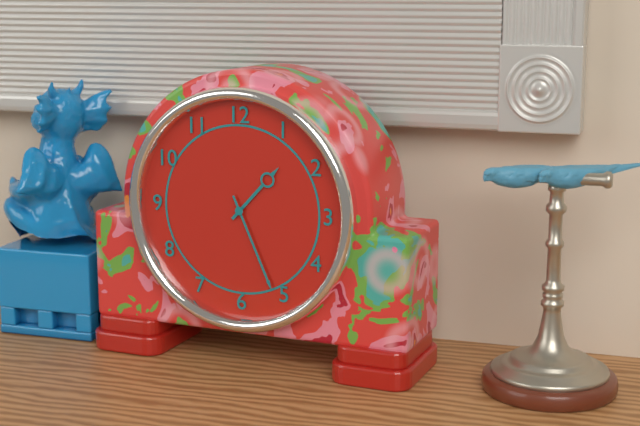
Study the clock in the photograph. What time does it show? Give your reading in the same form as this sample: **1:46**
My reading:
**1:26**
